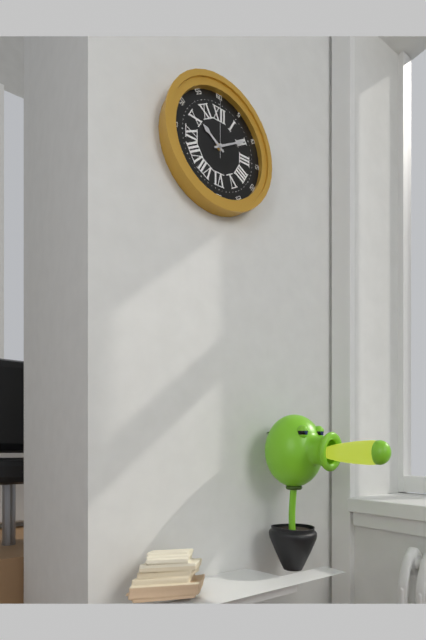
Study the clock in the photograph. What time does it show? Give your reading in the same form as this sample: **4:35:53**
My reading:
**10:10:00**
